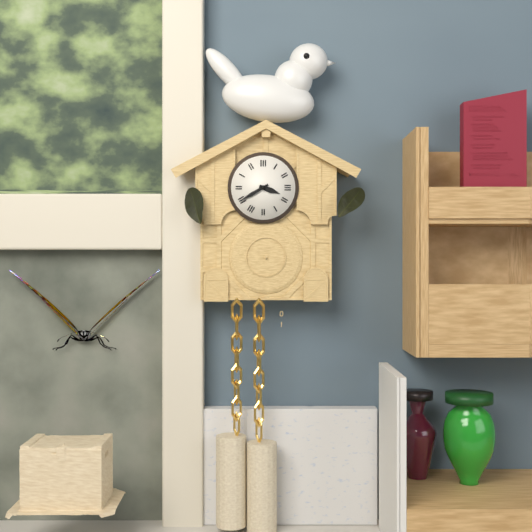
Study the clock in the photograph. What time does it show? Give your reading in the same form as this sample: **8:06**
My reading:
**3:40**
